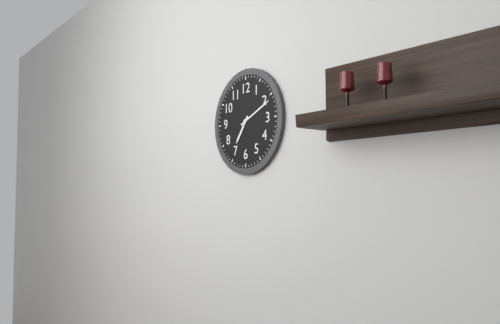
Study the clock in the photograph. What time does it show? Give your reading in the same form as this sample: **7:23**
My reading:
**7:11**
